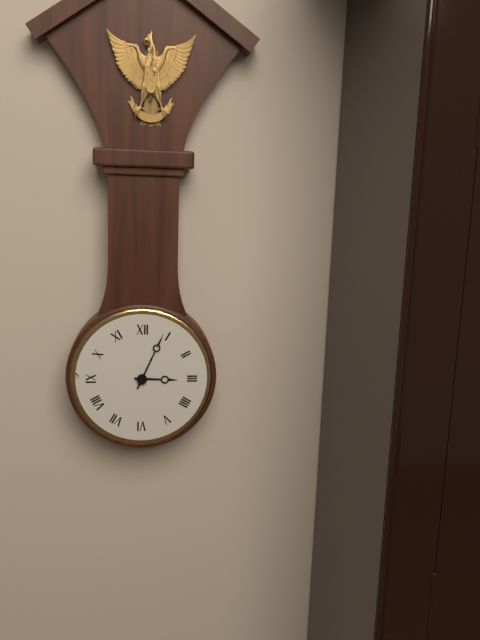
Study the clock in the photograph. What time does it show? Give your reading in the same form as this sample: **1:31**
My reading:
**3:04**
